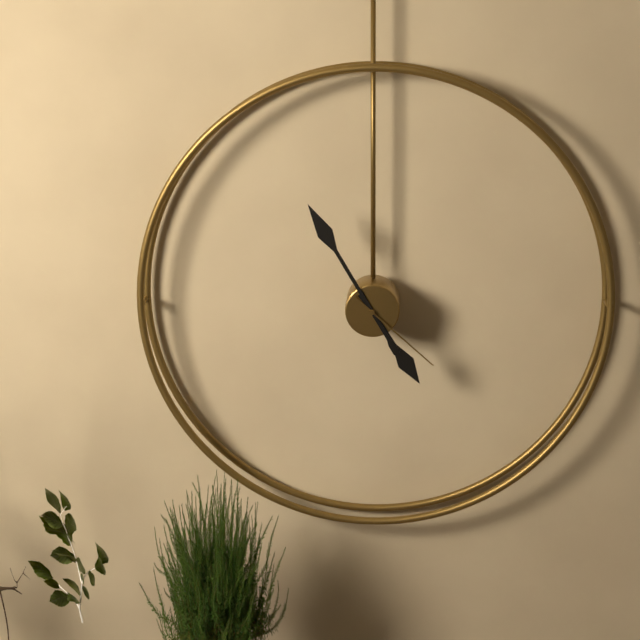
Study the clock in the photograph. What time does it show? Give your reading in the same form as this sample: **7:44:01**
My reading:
**4:55:22**
